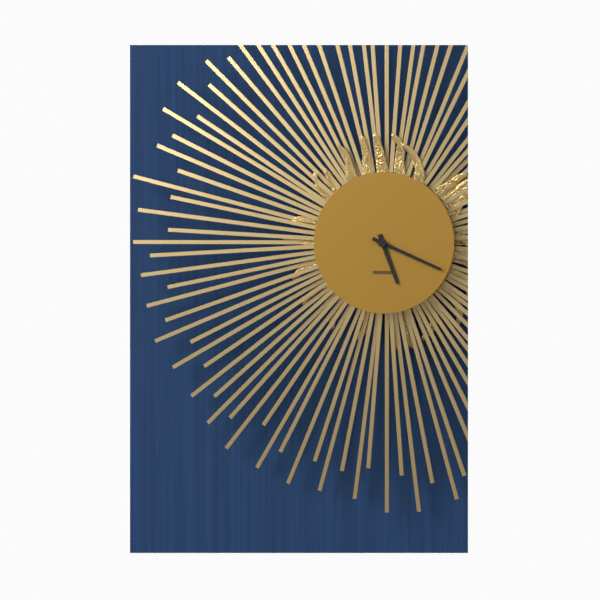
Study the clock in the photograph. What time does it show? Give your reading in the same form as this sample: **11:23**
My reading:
**5:19**
